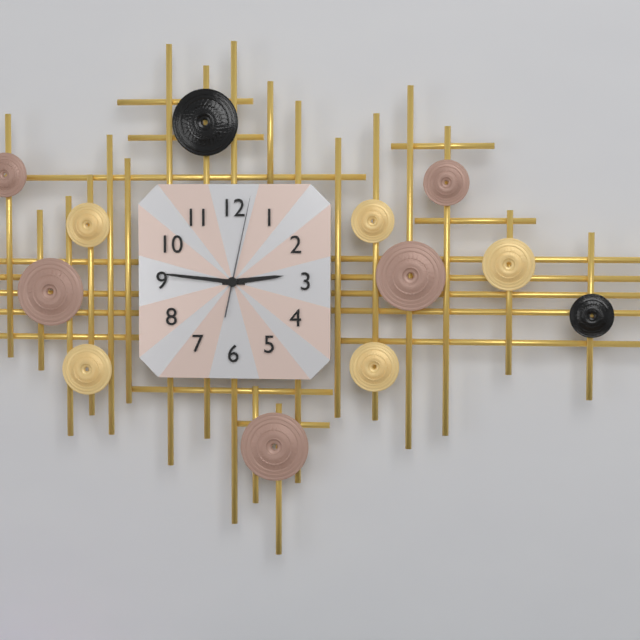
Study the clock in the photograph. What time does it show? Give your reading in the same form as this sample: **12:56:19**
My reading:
**2:46:02**
